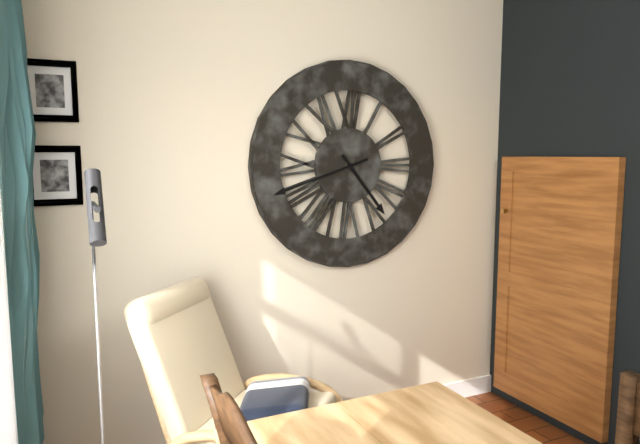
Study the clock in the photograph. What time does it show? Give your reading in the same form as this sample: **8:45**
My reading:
**4:42**
